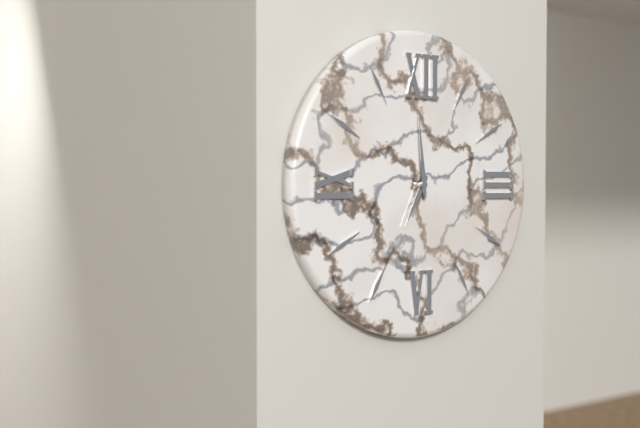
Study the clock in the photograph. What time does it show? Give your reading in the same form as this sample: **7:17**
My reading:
**6:59**
